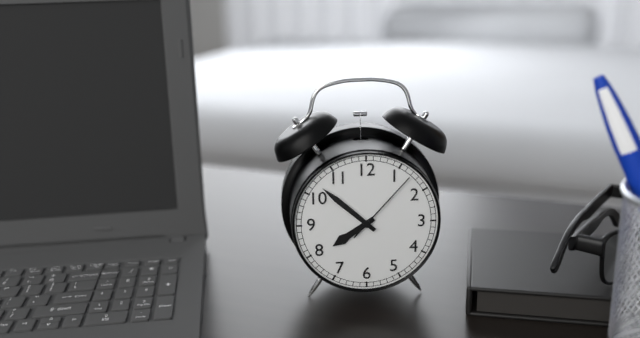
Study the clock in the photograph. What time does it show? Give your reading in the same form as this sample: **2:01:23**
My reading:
**7:52:07**
